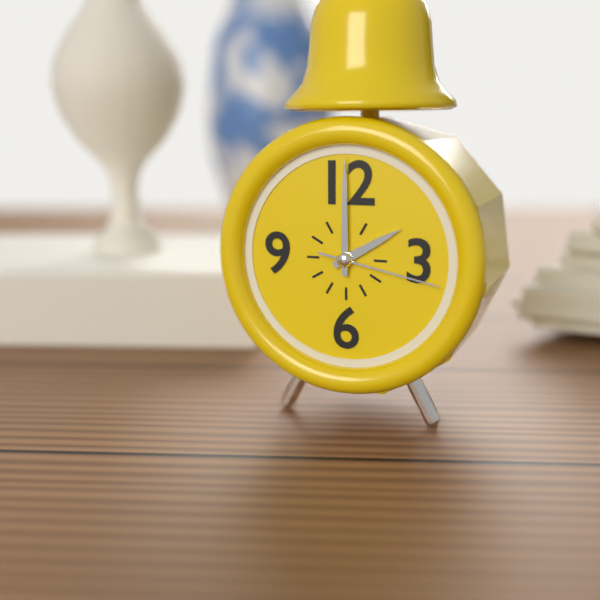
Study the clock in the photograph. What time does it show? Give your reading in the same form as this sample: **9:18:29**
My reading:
**2:00:17**
